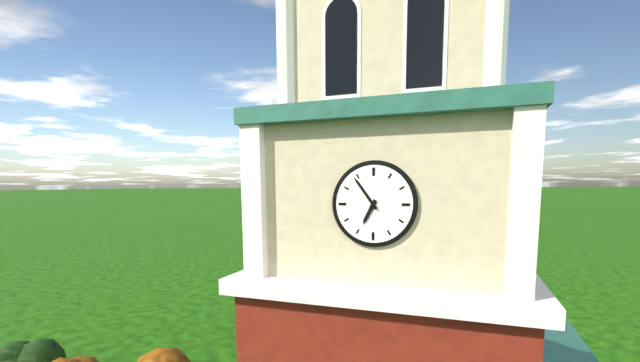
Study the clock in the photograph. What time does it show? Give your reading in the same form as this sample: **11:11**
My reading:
**6:54**
